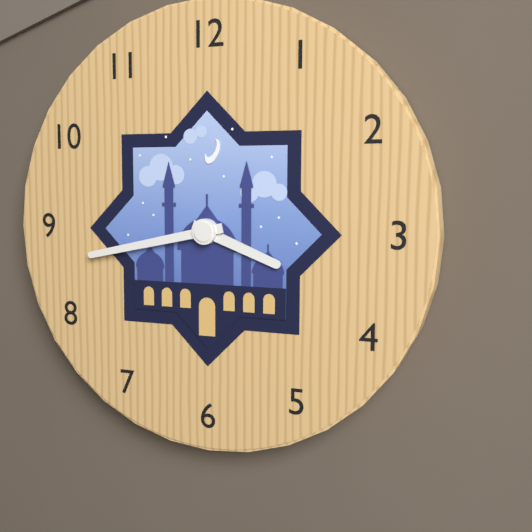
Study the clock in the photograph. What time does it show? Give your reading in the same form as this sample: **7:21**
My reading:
**3:43**
